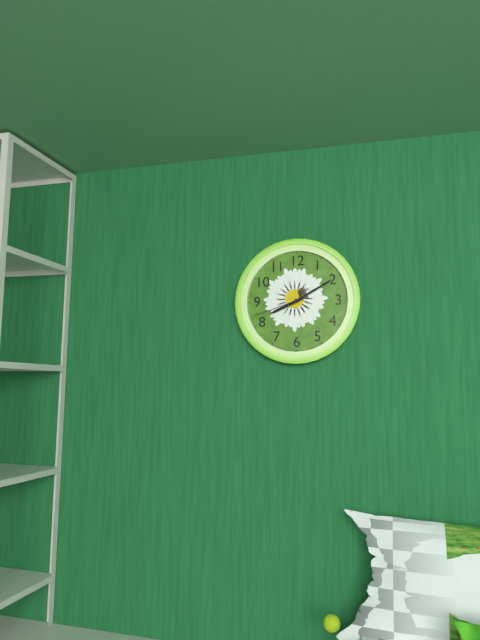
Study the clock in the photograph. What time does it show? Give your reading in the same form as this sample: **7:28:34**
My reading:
**8:10:42**
